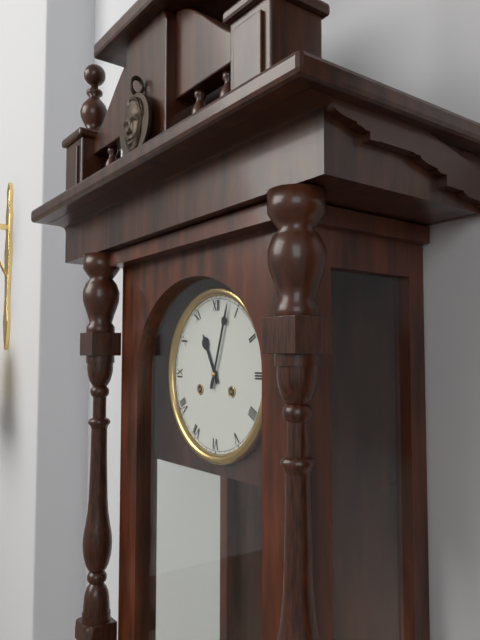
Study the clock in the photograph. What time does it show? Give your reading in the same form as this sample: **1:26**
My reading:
**11:03**
